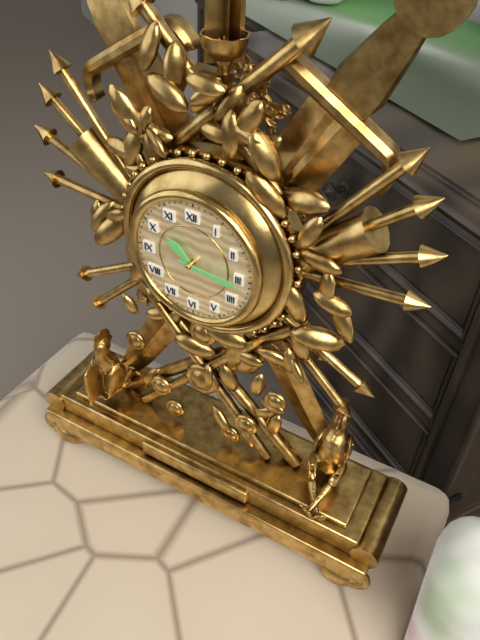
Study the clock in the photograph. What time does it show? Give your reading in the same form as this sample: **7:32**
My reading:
**10:16**
